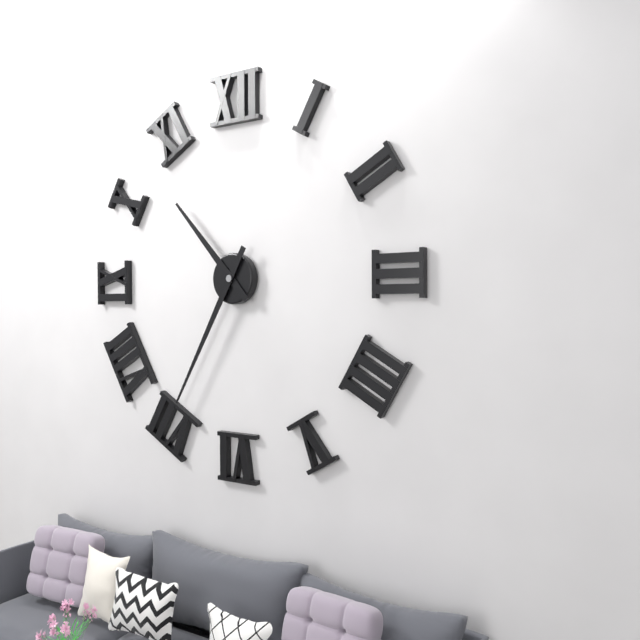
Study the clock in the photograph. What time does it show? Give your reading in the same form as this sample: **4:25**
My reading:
**10:35**
